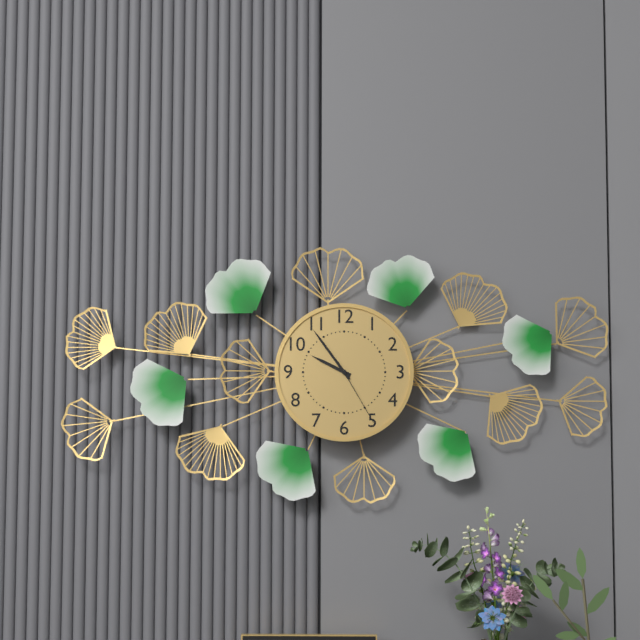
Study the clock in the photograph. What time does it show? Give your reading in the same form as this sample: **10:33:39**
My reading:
**9:54:25**
